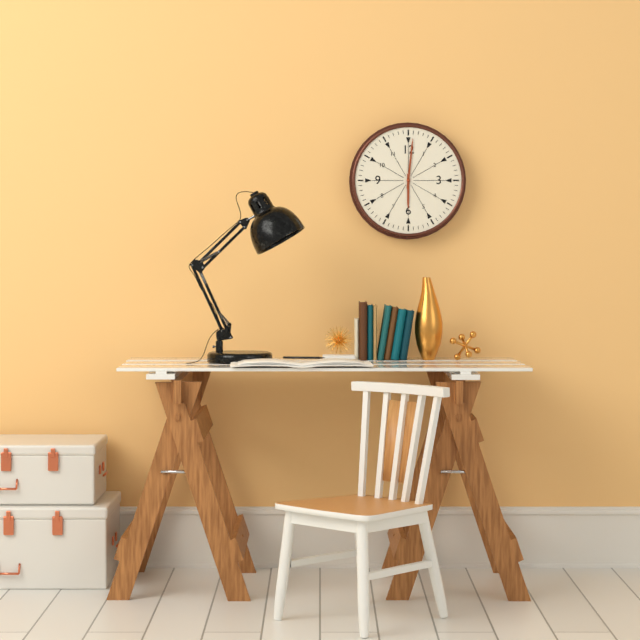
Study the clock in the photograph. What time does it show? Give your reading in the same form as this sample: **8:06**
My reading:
**6:01**
